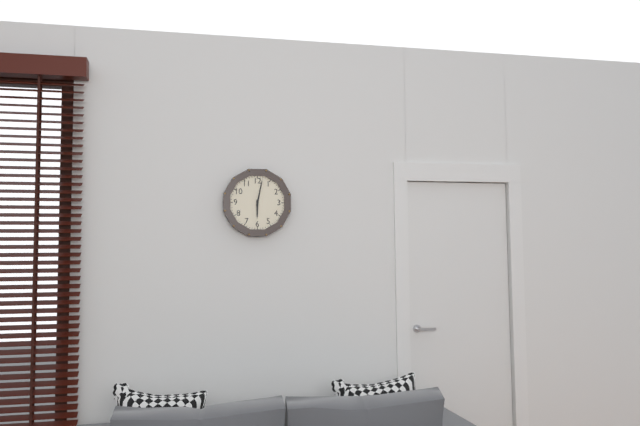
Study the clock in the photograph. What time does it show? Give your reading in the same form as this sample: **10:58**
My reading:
**6:02**
